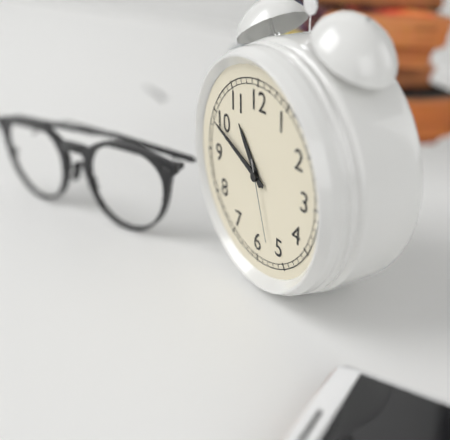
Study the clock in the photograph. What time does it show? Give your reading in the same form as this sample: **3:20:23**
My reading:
**10:49:27**
